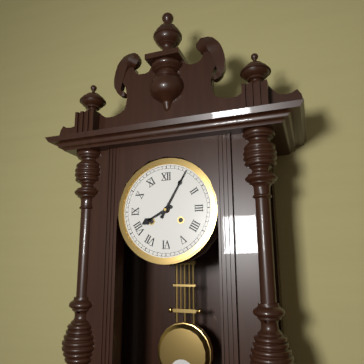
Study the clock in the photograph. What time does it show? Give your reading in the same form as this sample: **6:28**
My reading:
**8:05**
